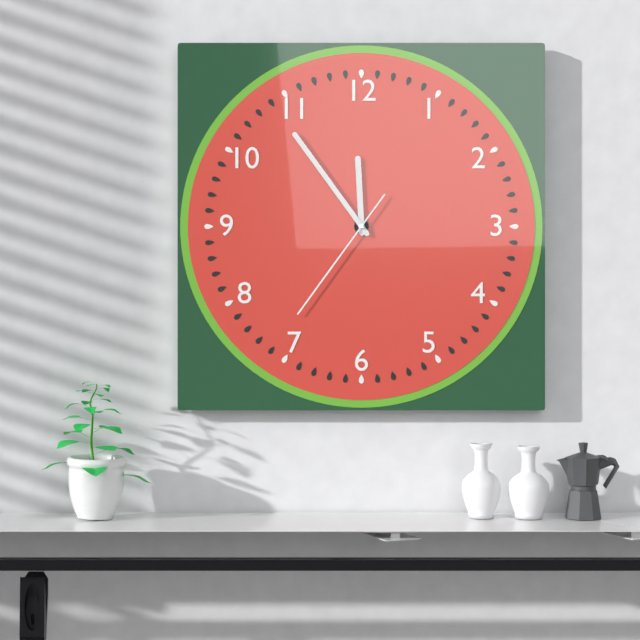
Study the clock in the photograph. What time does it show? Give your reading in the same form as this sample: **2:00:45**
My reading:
**11:54:36**
